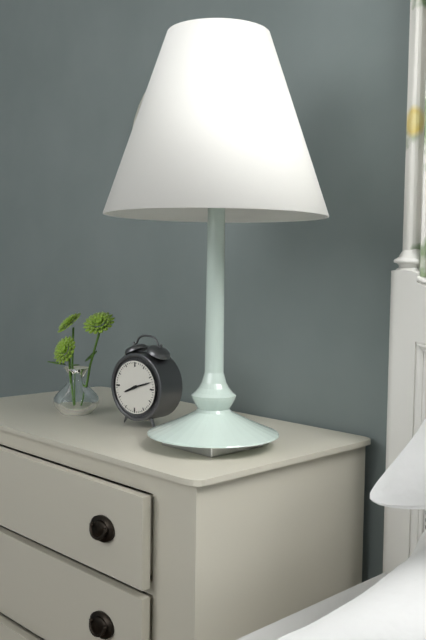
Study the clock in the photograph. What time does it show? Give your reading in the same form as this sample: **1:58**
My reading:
**8:12**
